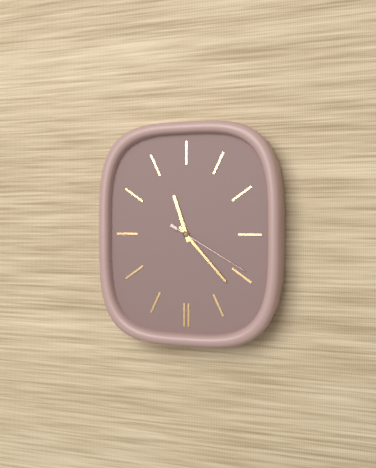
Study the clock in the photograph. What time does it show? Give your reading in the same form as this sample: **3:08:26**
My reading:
**11:23:20**
